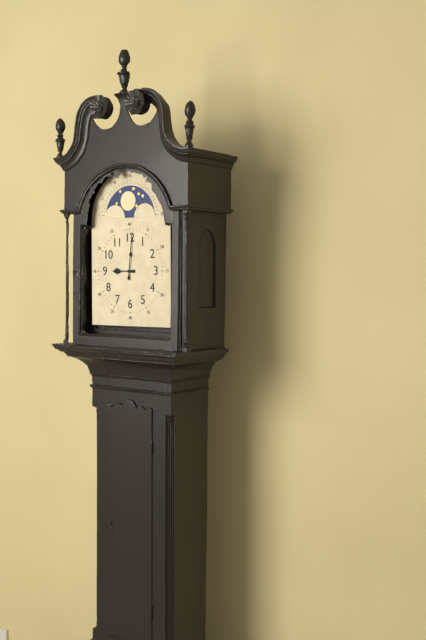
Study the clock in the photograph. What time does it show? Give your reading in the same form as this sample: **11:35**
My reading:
**9:01**
